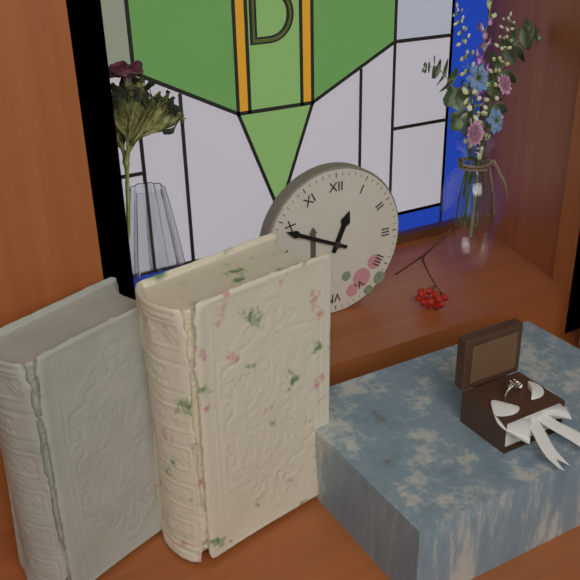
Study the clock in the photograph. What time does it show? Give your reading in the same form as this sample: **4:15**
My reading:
**12:49**
